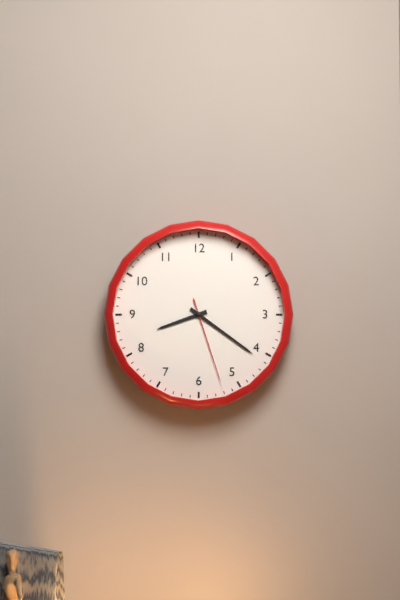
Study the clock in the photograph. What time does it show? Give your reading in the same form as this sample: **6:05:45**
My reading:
**8:21:27**
